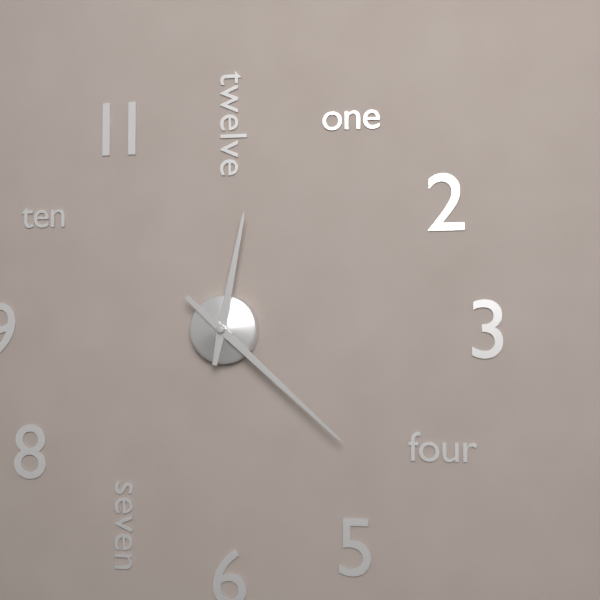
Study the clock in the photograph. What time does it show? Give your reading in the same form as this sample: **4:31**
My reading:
**12:22**
